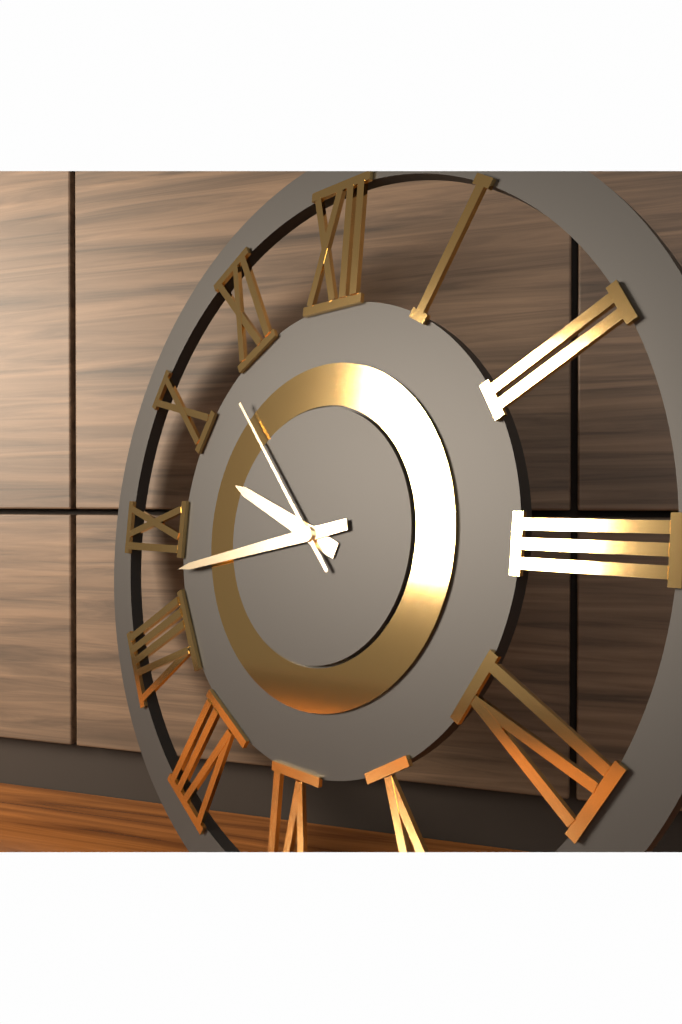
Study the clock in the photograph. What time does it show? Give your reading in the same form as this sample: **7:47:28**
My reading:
**9:43:53**
